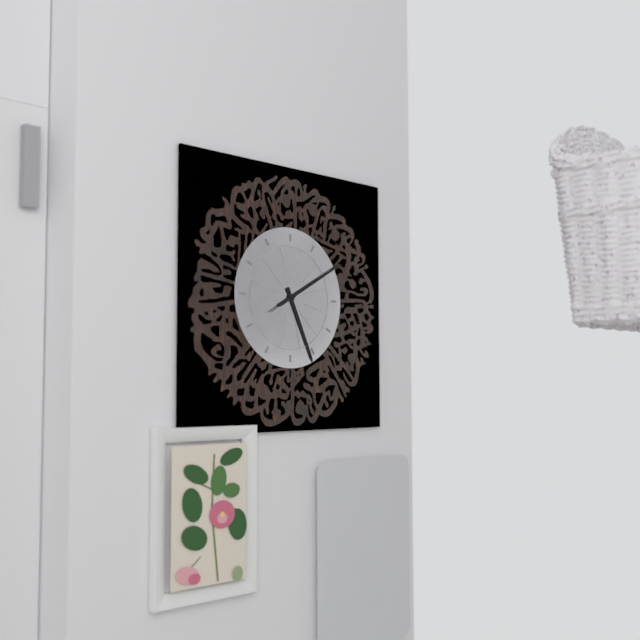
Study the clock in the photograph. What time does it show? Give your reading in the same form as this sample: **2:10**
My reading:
**5:10**
